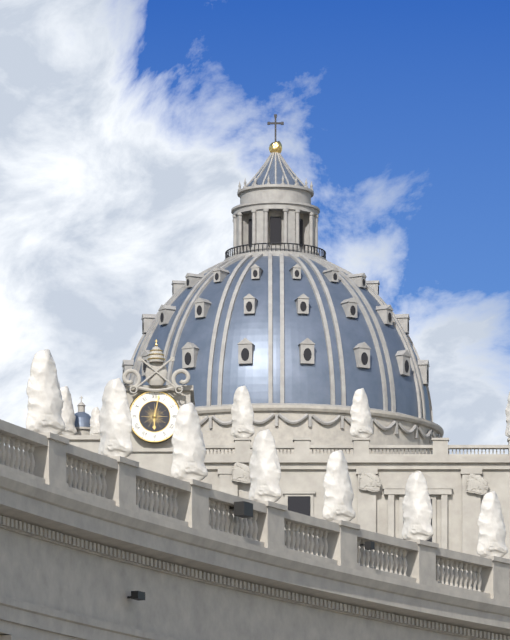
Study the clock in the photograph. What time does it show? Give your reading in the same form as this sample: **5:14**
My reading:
**6:02**
